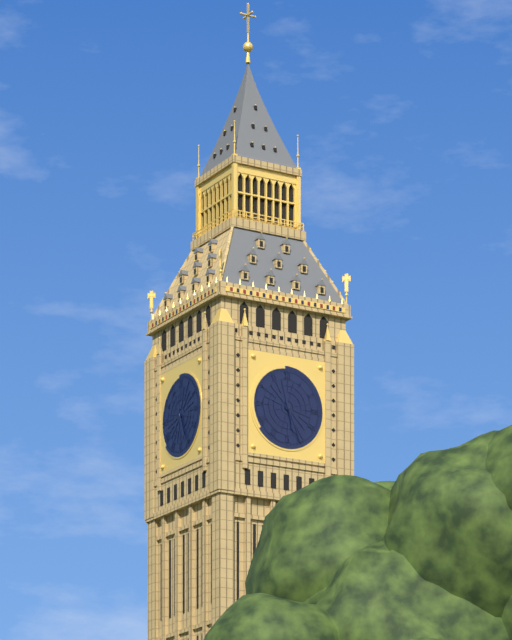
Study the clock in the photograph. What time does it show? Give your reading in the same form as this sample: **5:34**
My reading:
**5:26**
